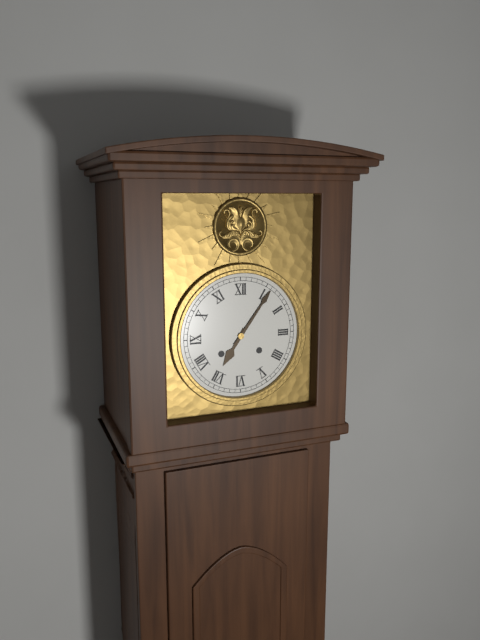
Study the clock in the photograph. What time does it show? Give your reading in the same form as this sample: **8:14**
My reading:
**7:06**
